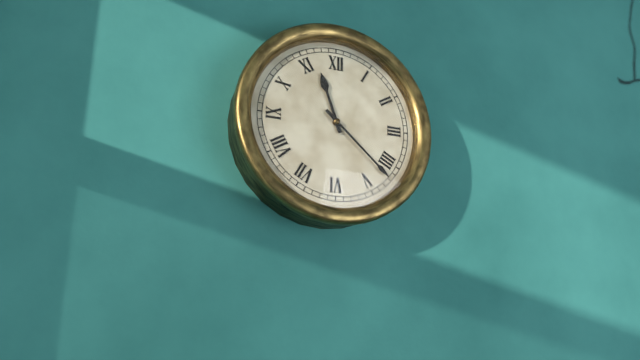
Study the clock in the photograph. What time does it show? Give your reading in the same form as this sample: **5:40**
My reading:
**11:22**
